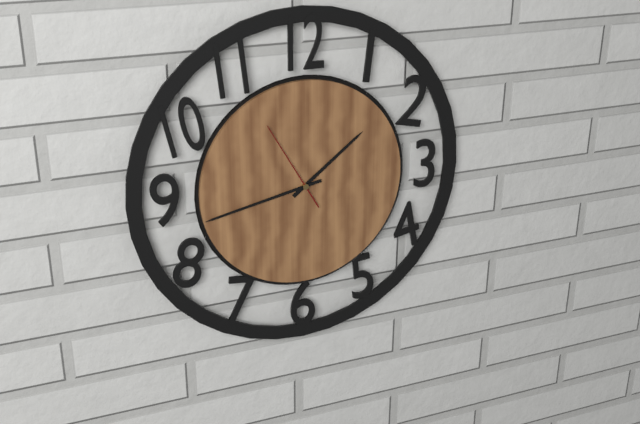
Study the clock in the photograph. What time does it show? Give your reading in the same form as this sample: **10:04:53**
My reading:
**1:43:55**
